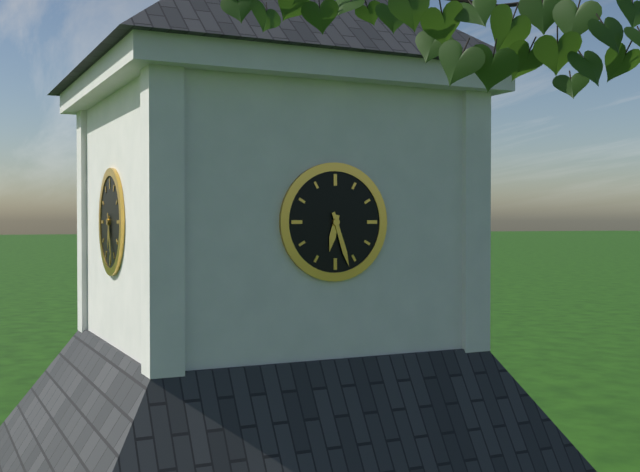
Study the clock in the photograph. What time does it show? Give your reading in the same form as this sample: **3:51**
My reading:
**6:27**
